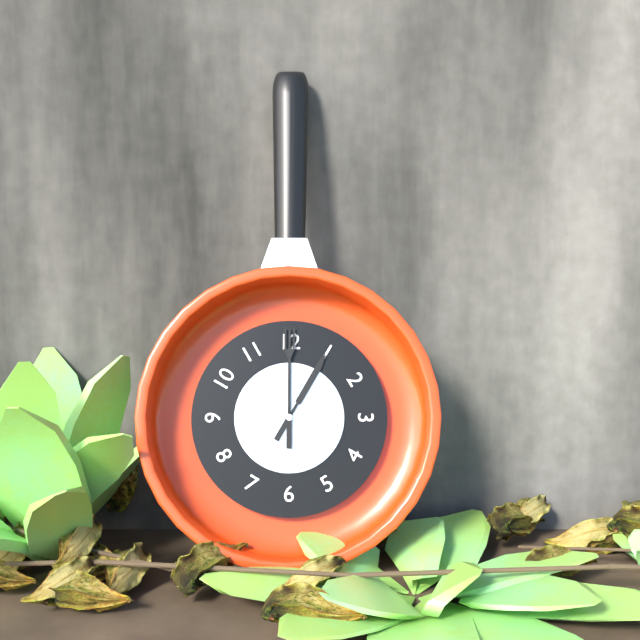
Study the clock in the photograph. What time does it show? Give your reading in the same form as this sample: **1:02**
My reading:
**1:00**
